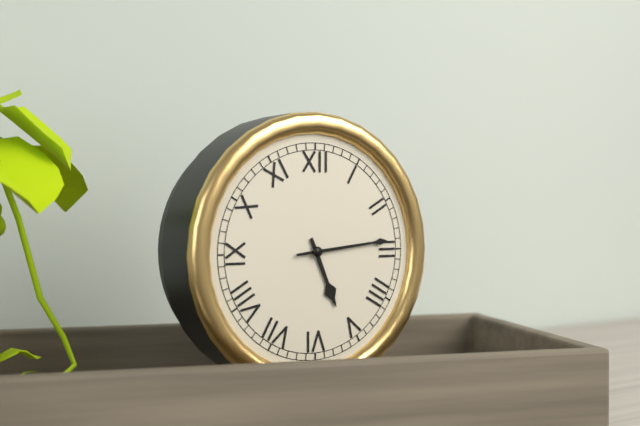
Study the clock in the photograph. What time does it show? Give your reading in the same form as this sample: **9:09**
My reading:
**5:14**
